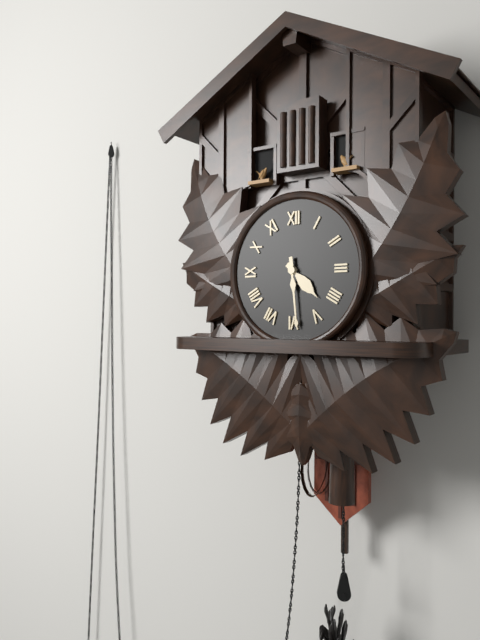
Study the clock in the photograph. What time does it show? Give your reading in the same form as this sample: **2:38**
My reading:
**4:29**
